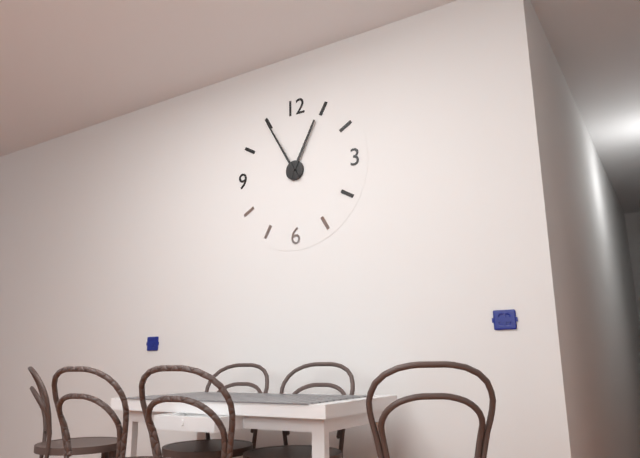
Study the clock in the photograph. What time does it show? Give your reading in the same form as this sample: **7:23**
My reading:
**12:55**
